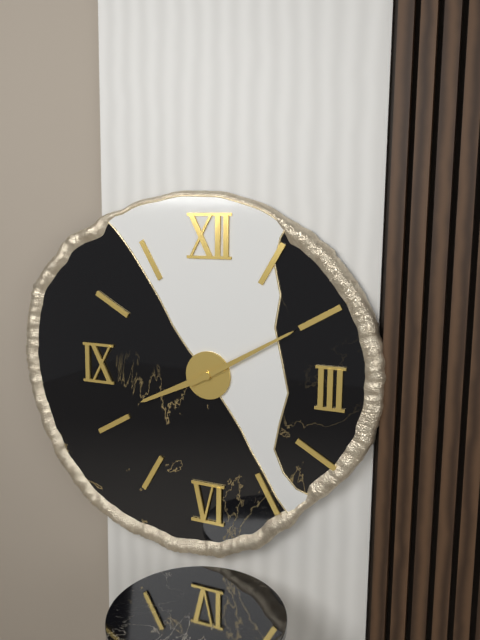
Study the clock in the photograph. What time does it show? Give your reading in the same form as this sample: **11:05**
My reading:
**8:10**
